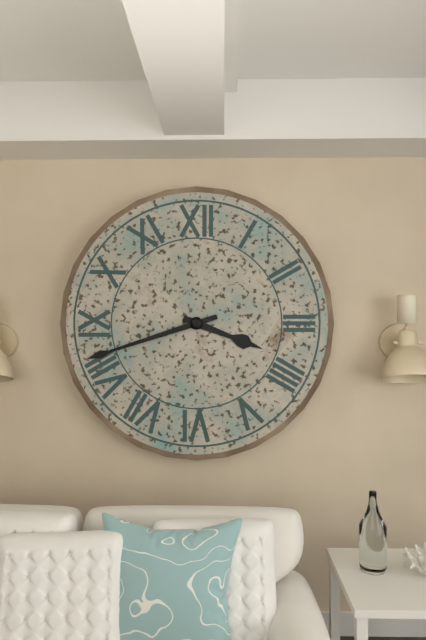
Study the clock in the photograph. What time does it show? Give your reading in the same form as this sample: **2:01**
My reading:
**3:42**
